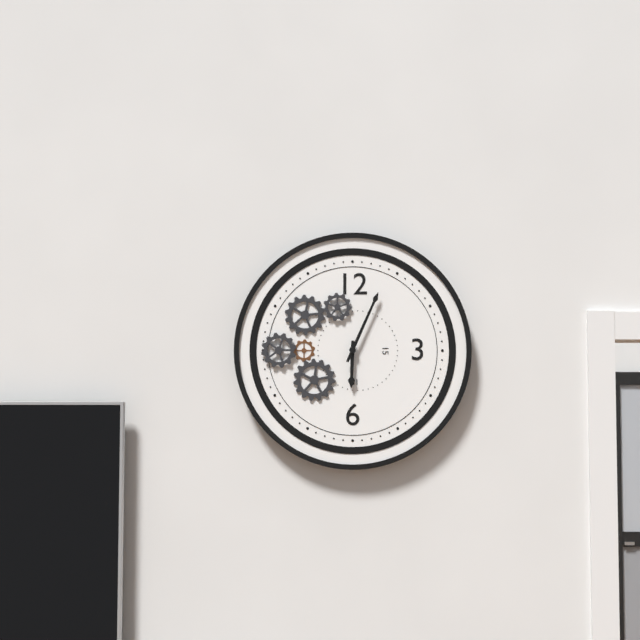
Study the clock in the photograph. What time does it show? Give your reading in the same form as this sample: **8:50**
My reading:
**6:04**
